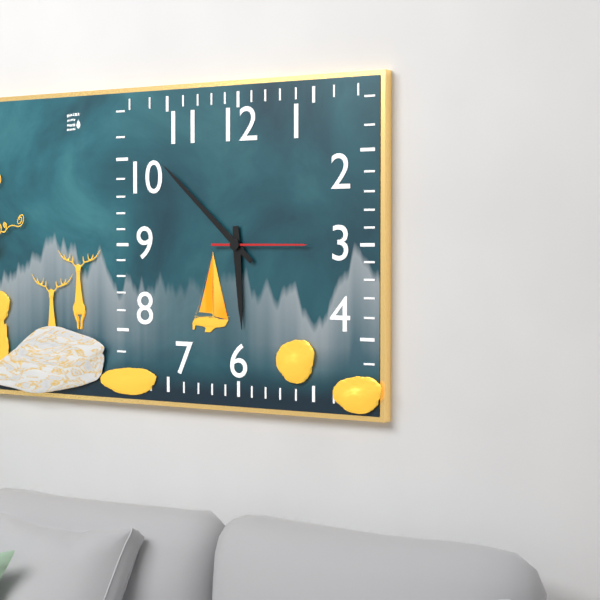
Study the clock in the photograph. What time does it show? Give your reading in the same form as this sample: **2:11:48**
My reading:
**5:52:15**
